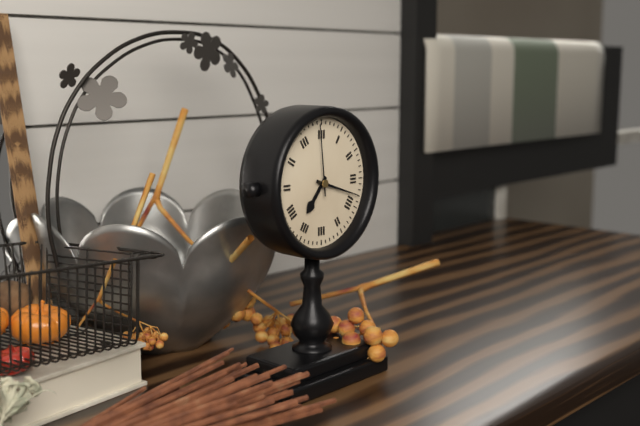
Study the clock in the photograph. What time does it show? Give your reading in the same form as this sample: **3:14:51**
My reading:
**7:18:59**
